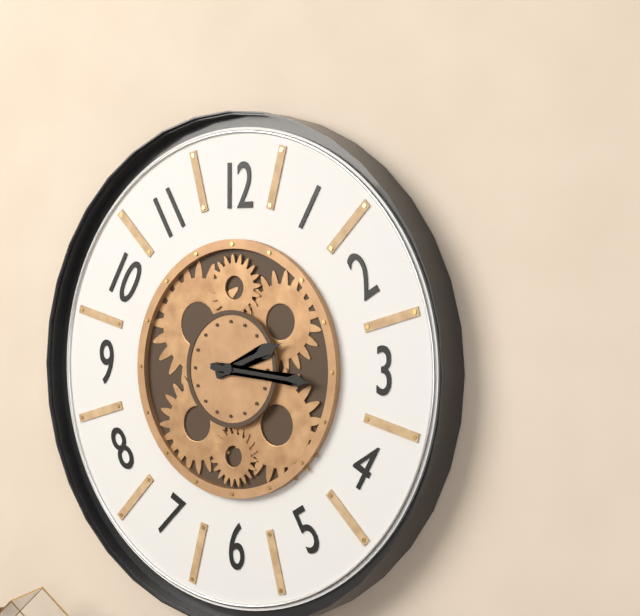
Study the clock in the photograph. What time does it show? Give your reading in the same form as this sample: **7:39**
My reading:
**2:16**
